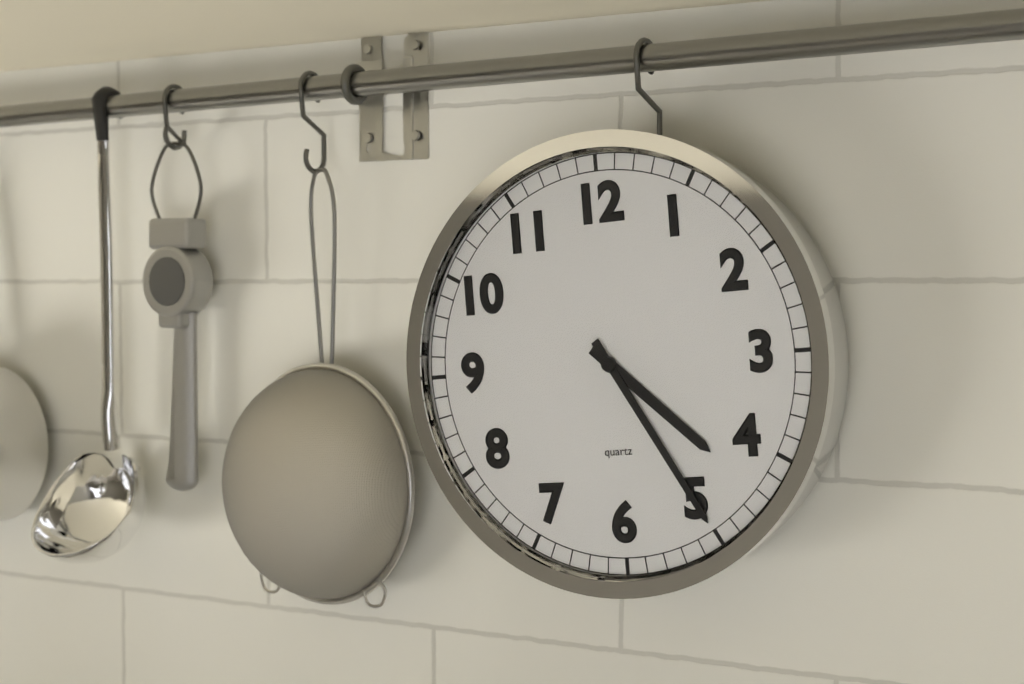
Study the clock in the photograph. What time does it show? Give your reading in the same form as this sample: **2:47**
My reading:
**4:25**
